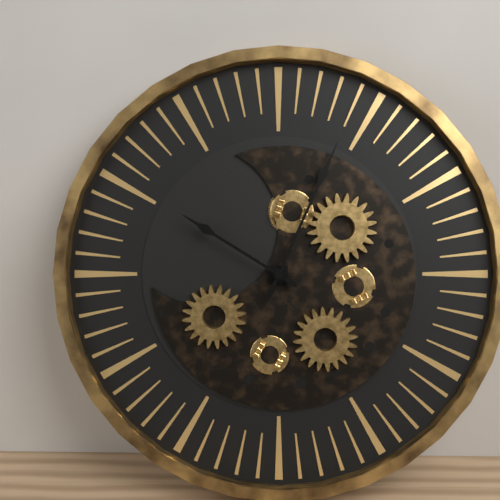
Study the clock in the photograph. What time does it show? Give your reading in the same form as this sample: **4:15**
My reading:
**10:04**
